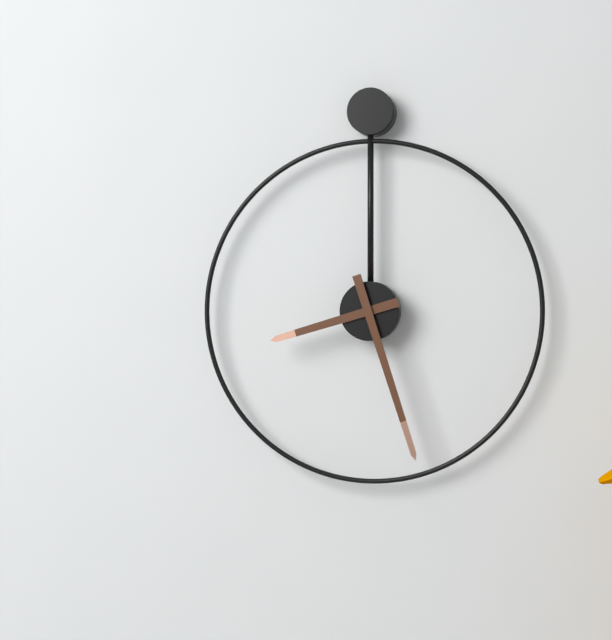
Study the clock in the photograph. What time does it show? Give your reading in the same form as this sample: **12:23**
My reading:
**8:27**
